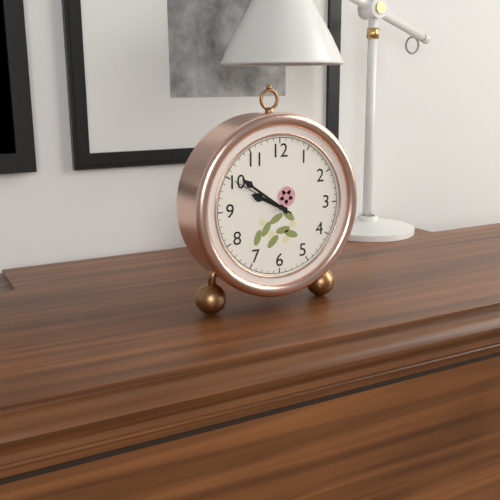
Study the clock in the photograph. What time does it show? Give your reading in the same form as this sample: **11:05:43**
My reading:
**9:51:50**
